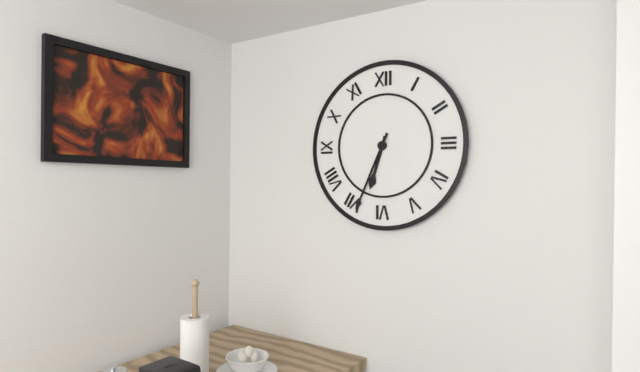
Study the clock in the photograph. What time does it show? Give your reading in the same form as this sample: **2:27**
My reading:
**6:34**
